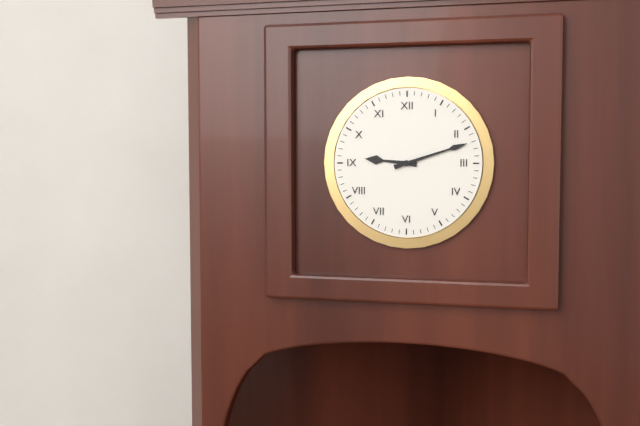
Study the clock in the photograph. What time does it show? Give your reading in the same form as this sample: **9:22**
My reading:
**9:12**
